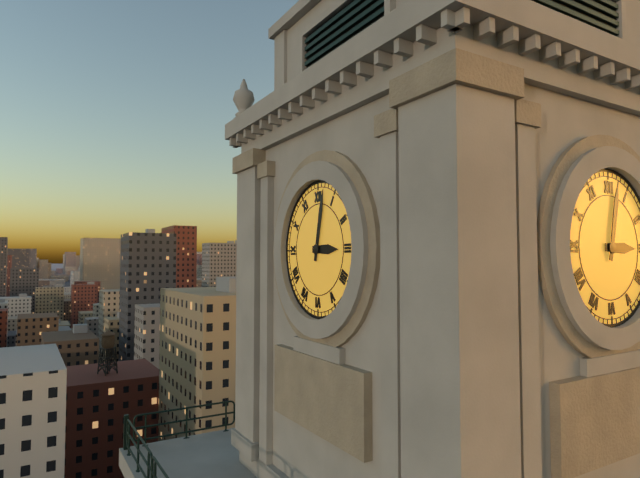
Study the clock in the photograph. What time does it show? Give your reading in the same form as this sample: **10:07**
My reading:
**3:02**
